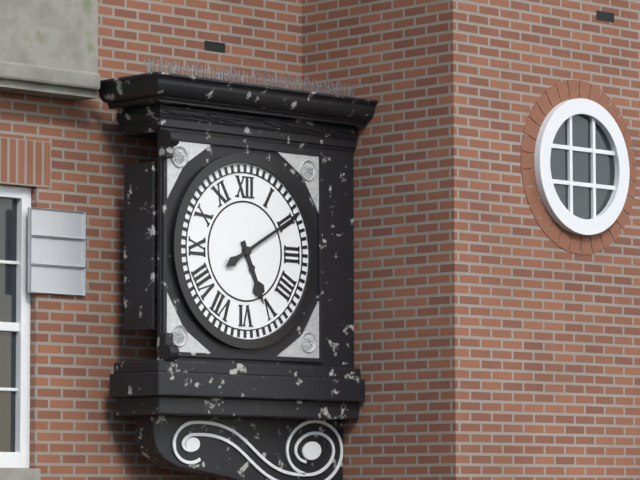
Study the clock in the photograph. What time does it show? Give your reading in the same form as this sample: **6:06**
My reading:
**5:10**
